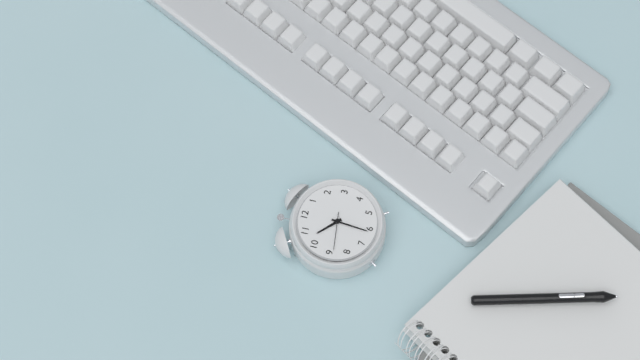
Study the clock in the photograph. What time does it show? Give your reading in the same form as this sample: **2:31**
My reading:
**10:31**
